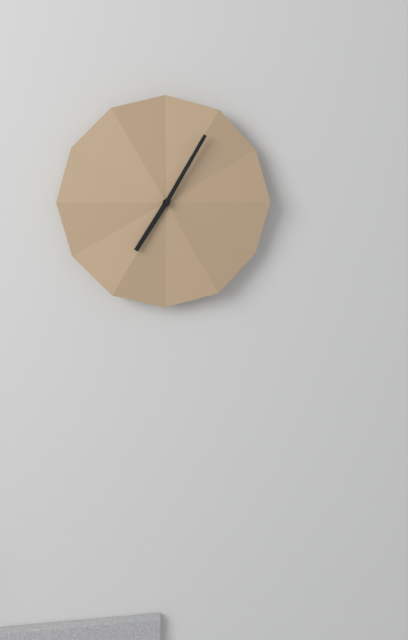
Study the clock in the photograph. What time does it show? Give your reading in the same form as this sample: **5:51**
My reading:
**7:05**
